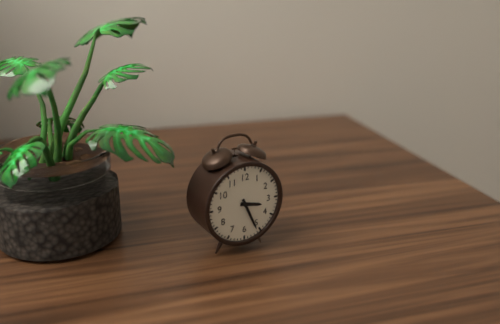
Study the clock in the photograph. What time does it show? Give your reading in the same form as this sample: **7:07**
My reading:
**3:26**
